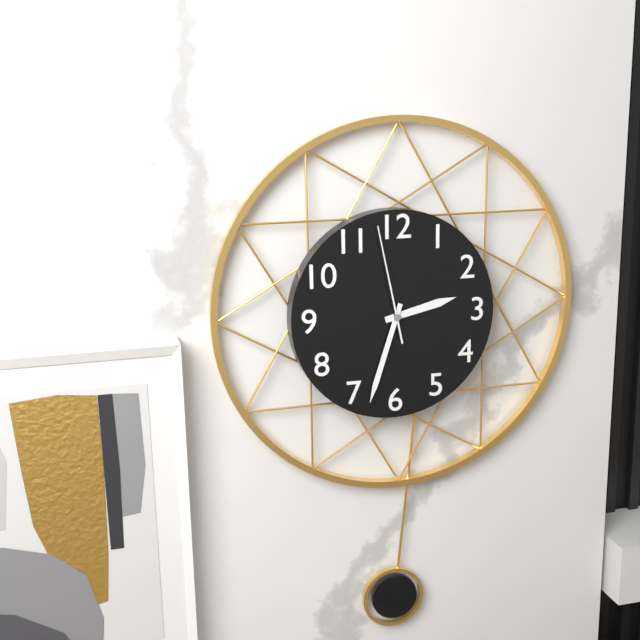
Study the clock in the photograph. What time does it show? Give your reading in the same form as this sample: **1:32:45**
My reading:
**2:33:58**
